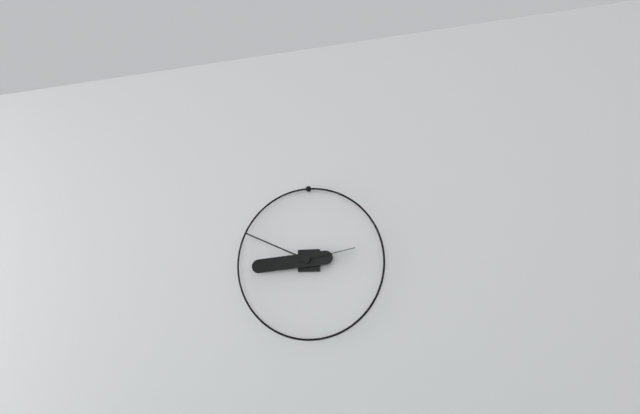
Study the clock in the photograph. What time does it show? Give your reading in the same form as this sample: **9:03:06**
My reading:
**8:49:13**
